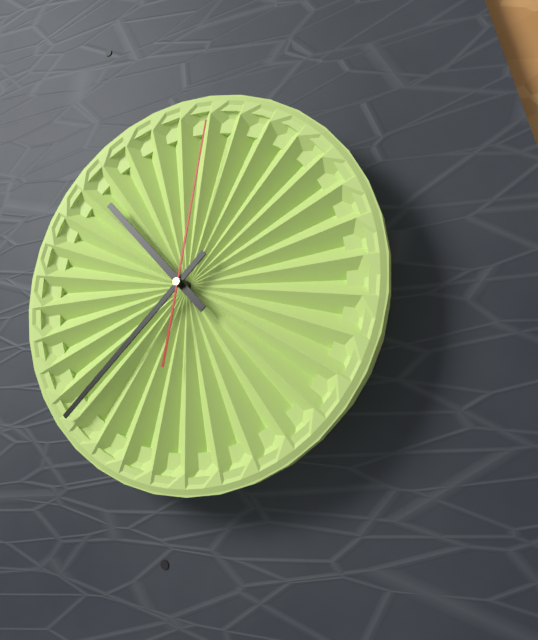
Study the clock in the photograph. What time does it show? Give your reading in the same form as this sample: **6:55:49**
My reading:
**10:38:02**
